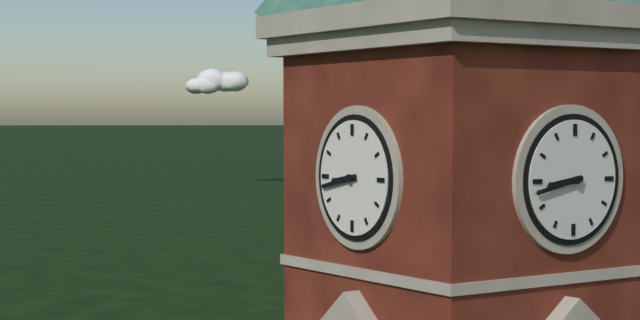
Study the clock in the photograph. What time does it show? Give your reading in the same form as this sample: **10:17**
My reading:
**8:43**
